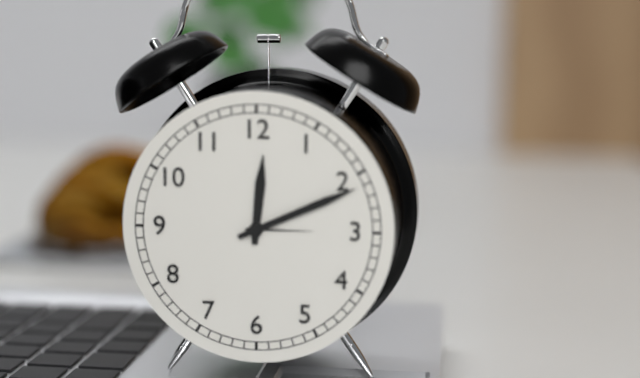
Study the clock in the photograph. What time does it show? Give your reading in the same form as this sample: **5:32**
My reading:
**12:11**
